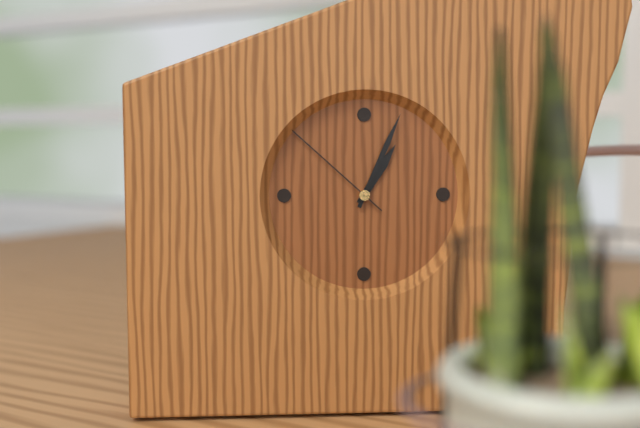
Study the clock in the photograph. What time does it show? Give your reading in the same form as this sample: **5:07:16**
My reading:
**1:04:52**
